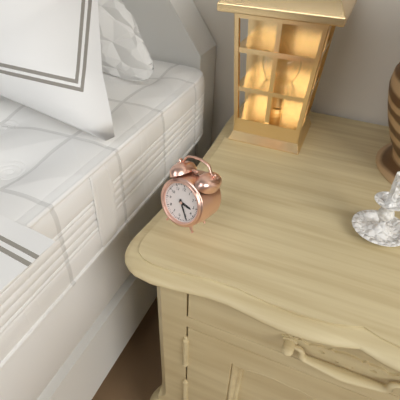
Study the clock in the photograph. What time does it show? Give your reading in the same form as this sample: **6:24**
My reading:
**3:25**
